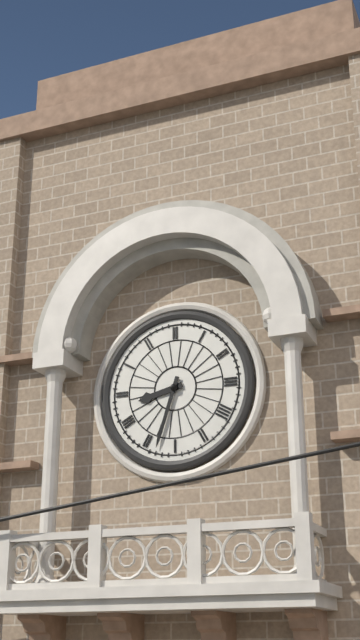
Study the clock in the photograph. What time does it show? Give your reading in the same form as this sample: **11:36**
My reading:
**8:33**
